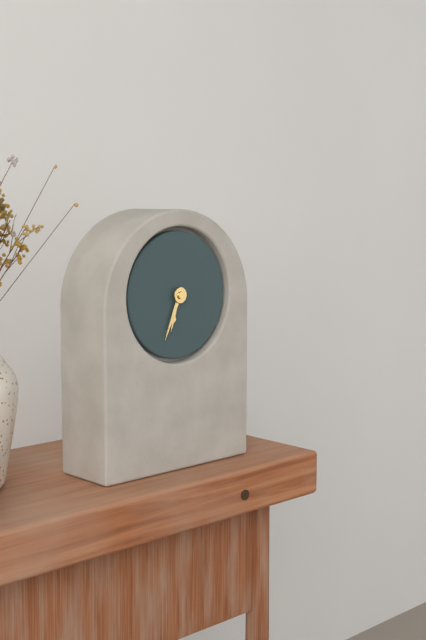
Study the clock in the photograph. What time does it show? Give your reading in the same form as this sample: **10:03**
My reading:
**6:34**
